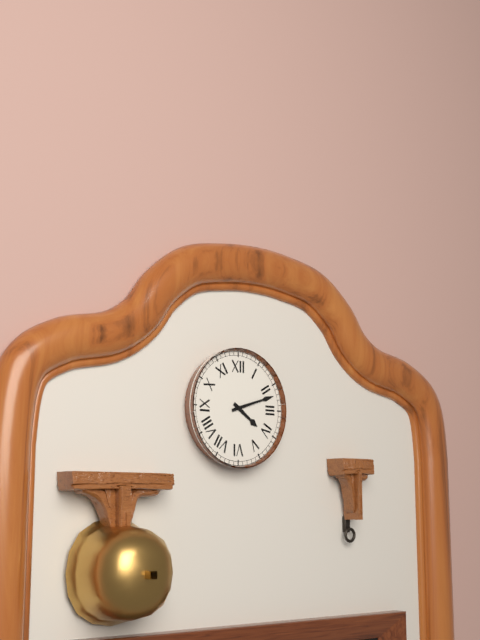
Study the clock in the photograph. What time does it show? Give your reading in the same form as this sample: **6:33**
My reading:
**4:12**
